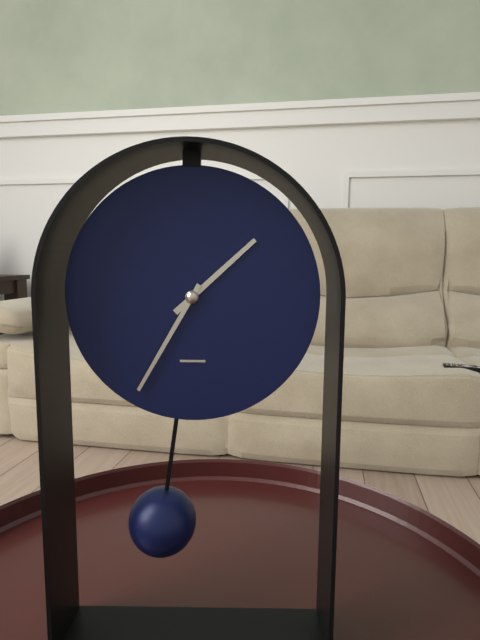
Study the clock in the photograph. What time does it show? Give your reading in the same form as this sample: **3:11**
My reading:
**1:35**
